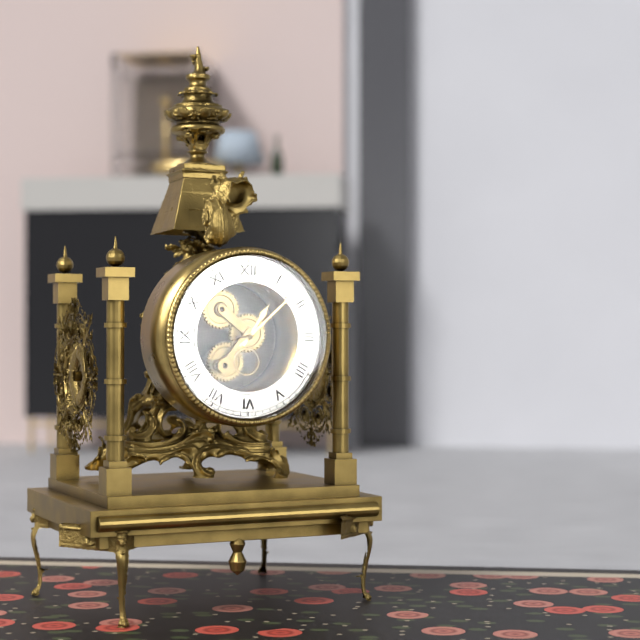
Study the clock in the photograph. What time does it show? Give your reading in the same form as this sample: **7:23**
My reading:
**1:08**
